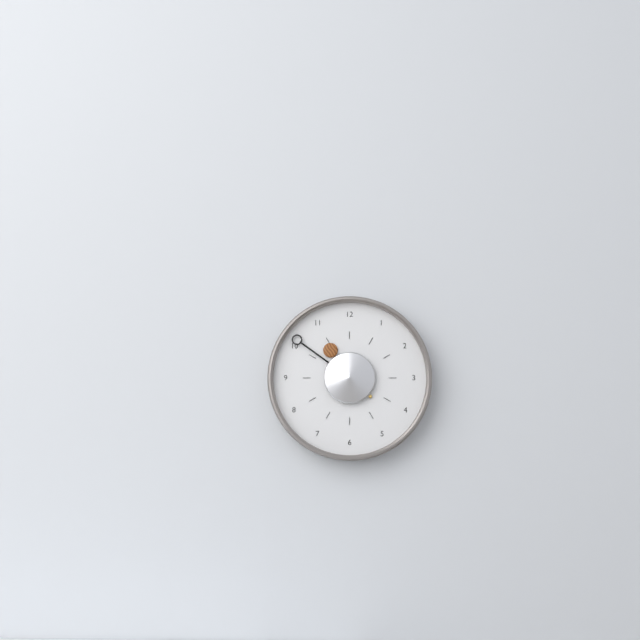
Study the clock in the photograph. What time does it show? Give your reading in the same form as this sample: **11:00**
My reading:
**10:51**
